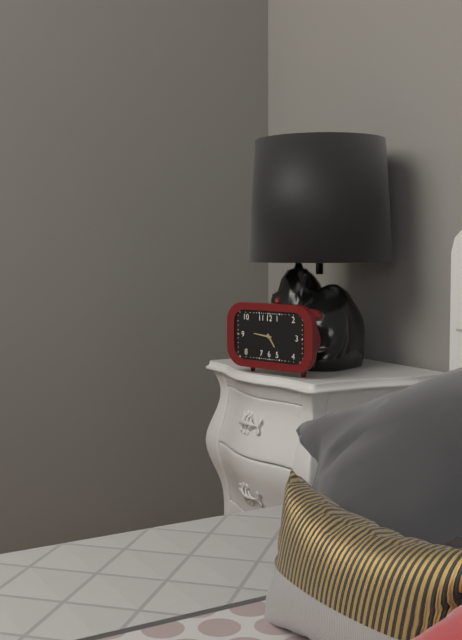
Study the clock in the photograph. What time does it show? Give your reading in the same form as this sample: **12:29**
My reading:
**4:46**
